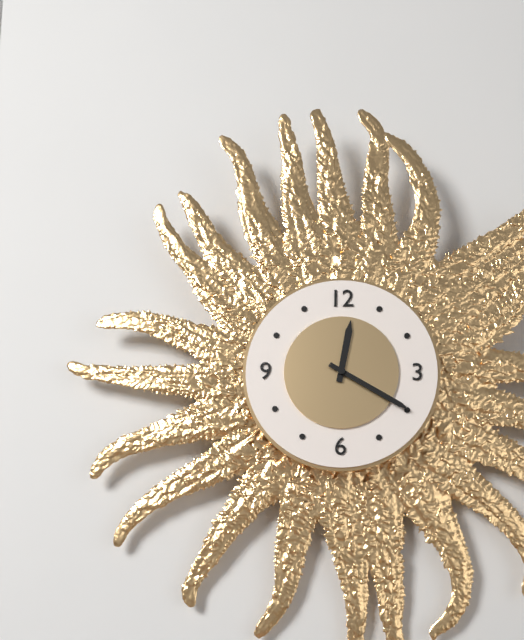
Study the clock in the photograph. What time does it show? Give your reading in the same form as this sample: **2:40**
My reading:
**12:20**
